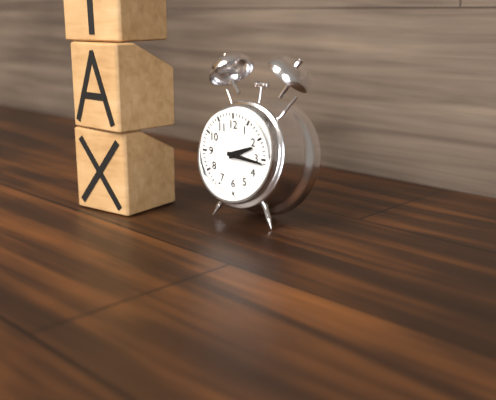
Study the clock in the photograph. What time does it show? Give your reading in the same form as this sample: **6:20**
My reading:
**2:16**
